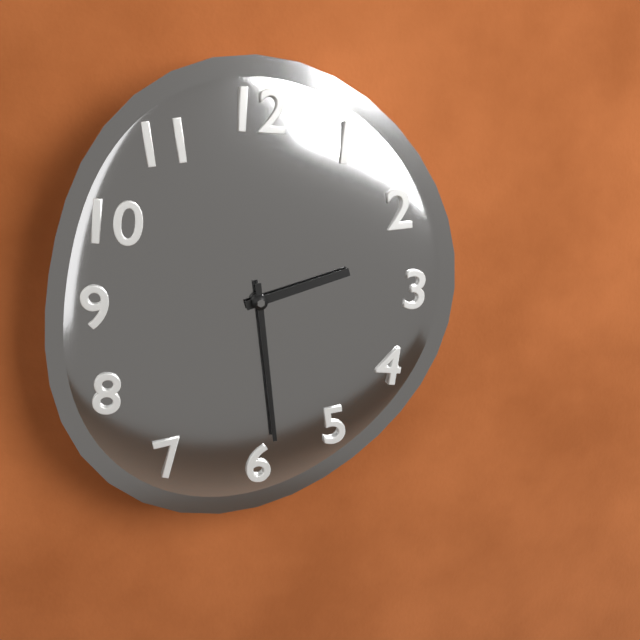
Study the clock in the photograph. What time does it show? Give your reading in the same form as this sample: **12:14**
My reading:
**2:29**
